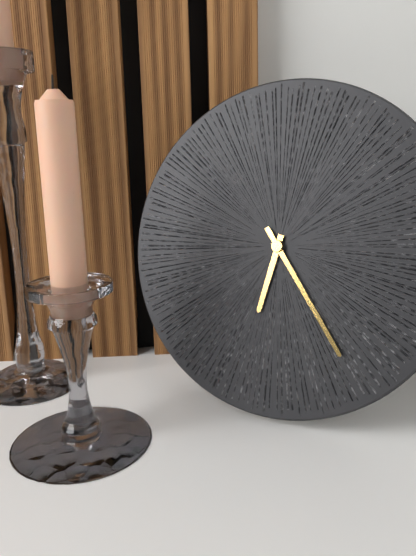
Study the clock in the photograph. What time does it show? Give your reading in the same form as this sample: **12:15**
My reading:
**6:24**
